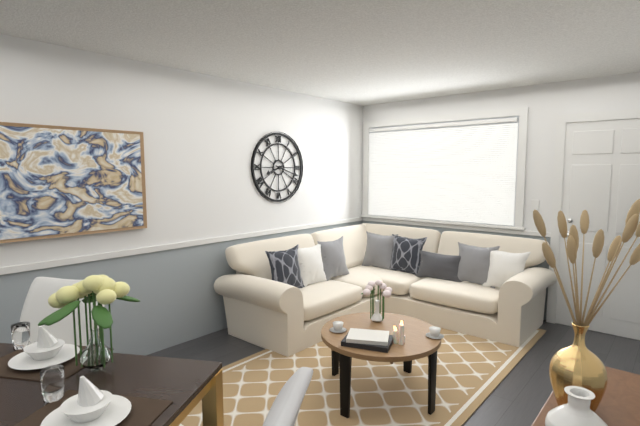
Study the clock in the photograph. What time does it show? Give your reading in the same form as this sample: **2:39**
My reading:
**8:18**
